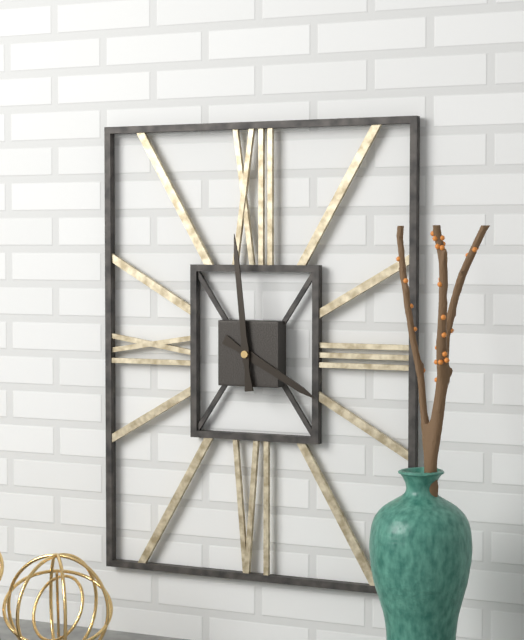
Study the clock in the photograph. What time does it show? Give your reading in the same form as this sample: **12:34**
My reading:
**3:59**
